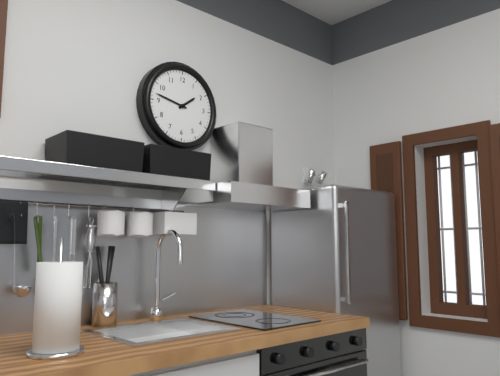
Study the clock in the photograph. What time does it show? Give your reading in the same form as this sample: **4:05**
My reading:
**1:47**
